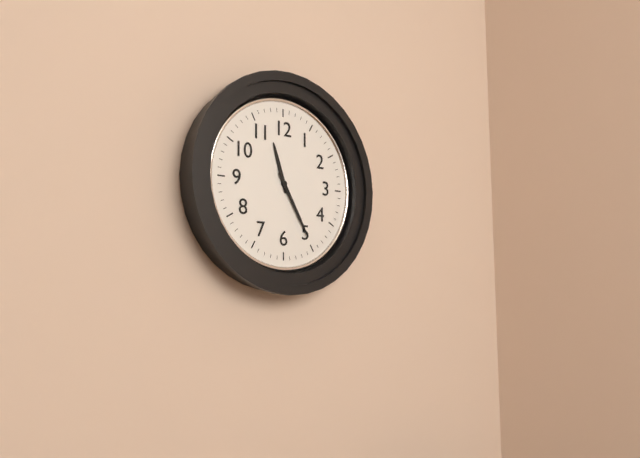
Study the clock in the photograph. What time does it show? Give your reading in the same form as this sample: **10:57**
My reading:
**11:25**
